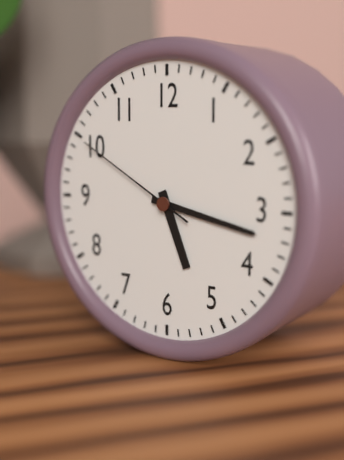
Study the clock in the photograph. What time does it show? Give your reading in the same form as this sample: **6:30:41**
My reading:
**5:17:50**
